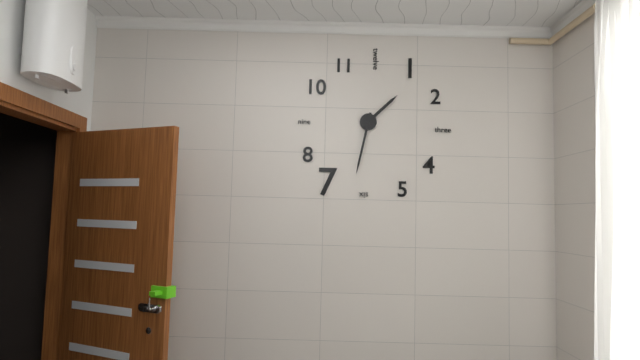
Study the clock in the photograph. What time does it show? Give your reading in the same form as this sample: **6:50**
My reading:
**1:32**
